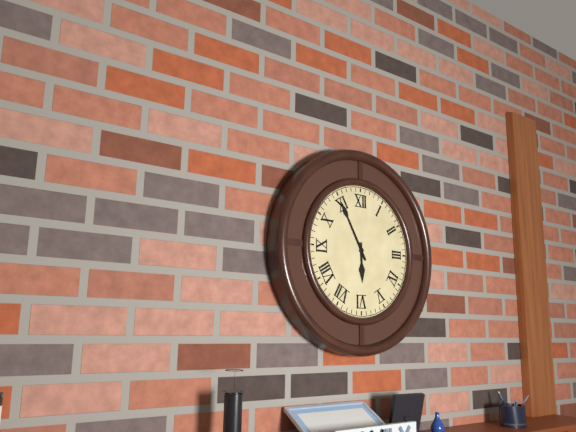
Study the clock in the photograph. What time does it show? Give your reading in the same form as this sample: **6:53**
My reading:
**5:55**
